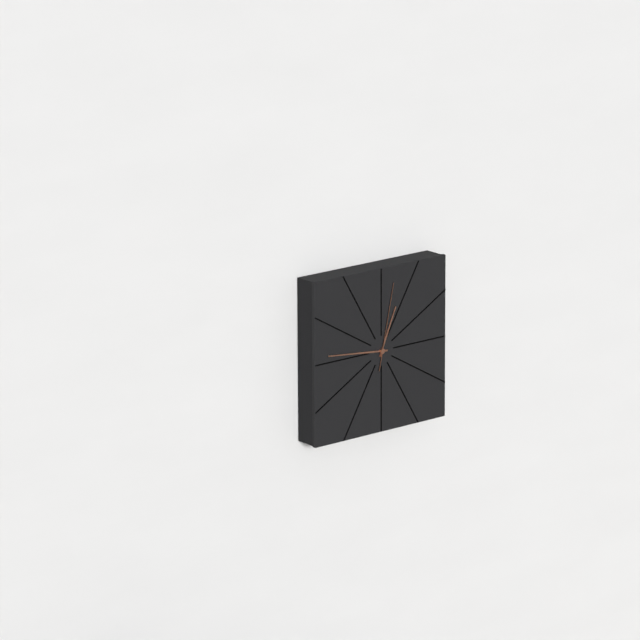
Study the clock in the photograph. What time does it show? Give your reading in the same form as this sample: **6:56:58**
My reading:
**12:46:02**
